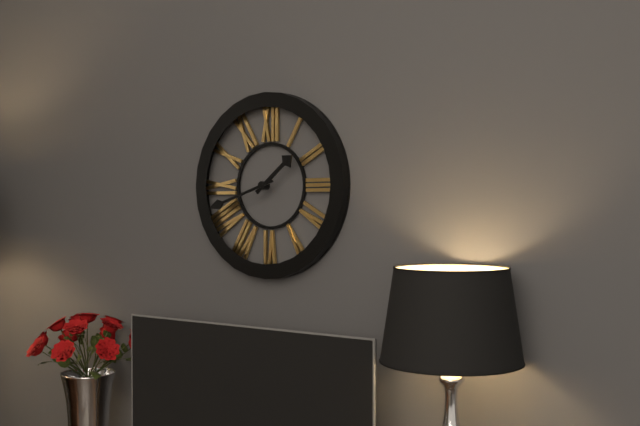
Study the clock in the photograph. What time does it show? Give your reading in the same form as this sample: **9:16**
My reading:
**1:42**
